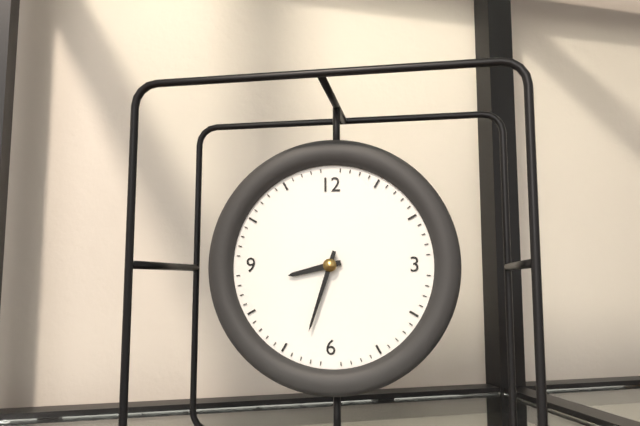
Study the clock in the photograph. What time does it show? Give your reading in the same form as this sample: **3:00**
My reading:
**8:33**
